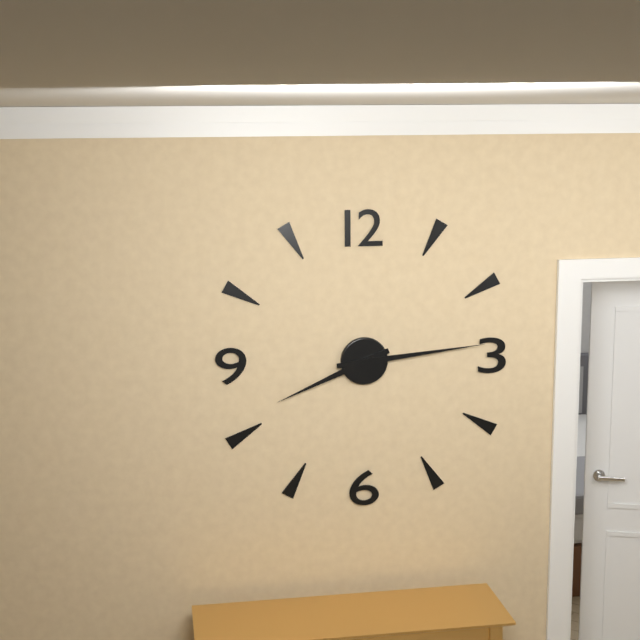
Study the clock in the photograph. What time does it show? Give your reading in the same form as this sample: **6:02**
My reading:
**8:14**
